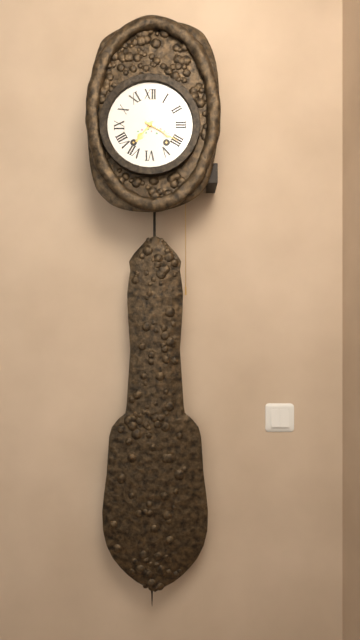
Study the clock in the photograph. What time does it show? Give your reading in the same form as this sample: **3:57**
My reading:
**7:20**
